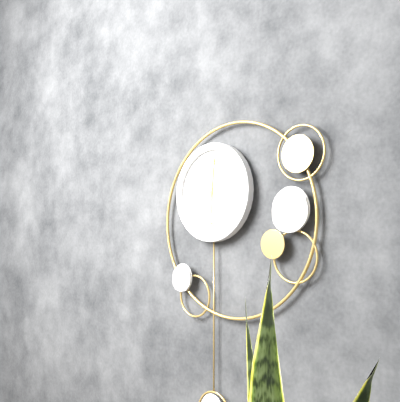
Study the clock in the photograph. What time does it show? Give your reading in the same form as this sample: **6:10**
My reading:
**6:01**
